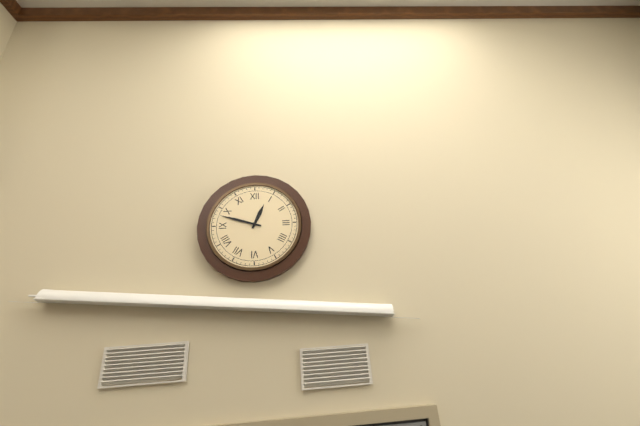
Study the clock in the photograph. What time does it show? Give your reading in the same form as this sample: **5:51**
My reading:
**12:48**
